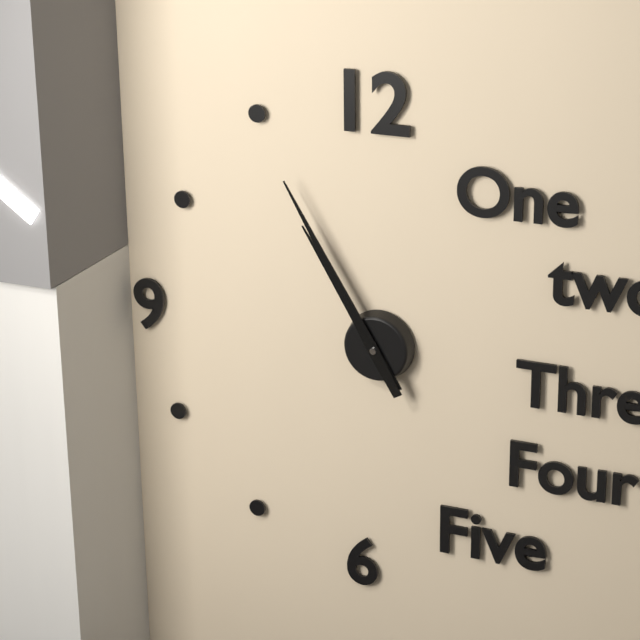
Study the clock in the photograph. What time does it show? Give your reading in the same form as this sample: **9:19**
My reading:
**10:55**
